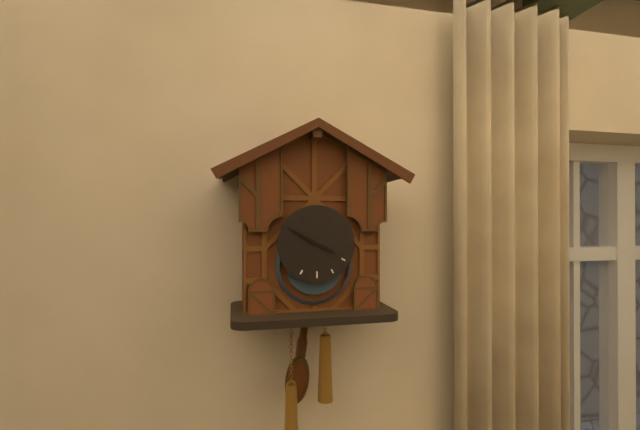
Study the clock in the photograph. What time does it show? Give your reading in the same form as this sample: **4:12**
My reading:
**3:50**
